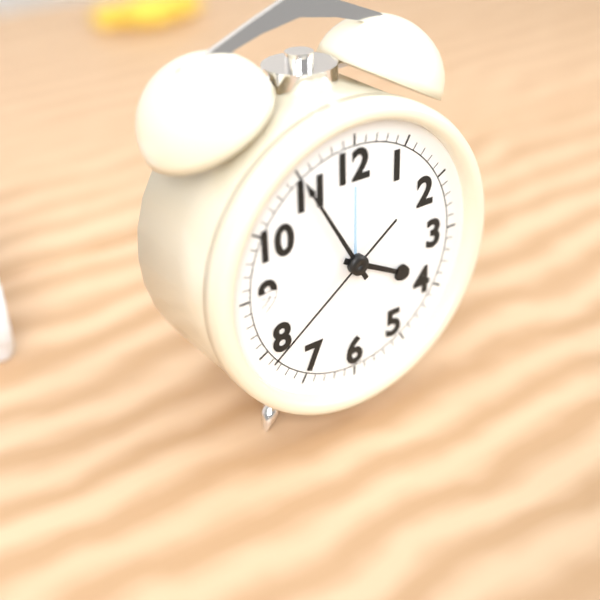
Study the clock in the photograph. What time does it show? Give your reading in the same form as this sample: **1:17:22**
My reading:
**3:55:39**
